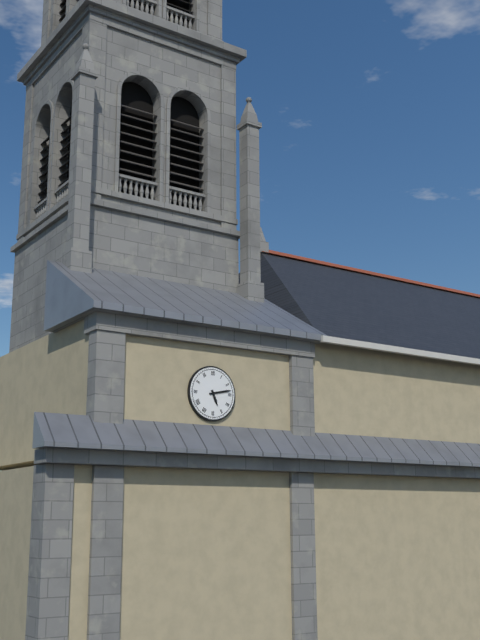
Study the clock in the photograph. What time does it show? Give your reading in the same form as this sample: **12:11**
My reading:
**5:13**
